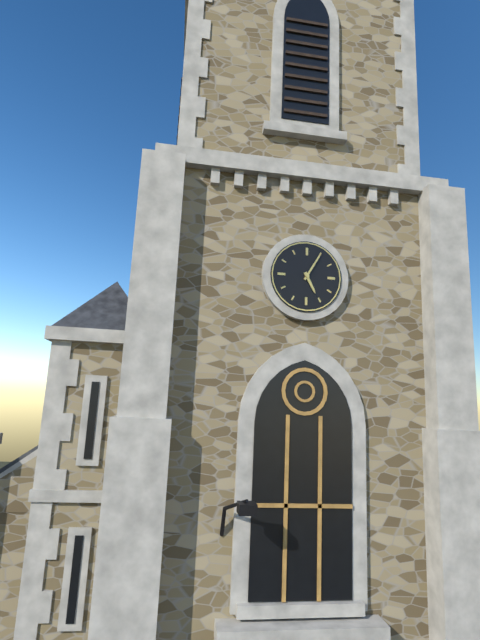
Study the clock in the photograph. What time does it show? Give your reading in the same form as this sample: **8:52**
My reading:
**5:05**
